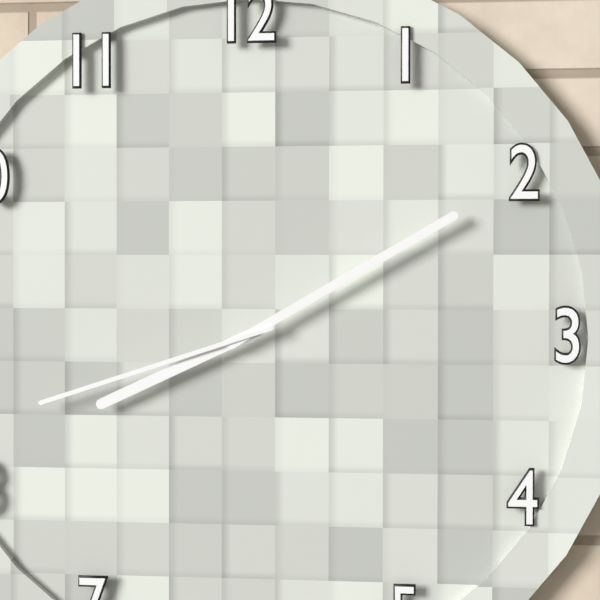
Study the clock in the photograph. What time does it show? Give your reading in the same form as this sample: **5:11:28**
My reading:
**8:10:42**
